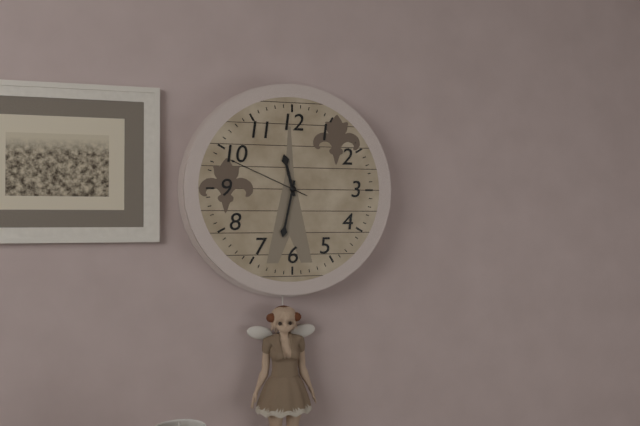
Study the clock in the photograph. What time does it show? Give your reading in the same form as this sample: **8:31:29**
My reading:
**11:32:49**
